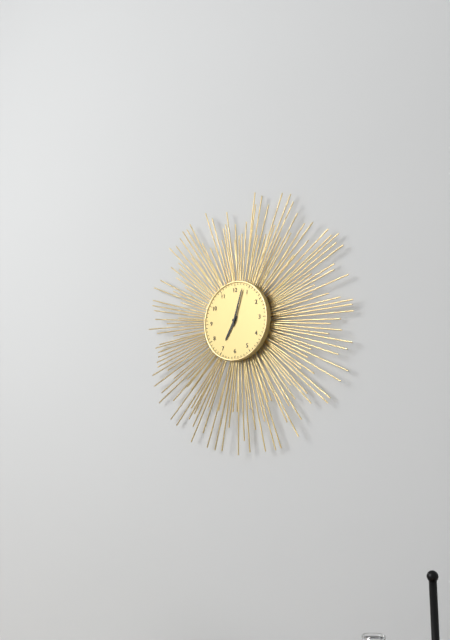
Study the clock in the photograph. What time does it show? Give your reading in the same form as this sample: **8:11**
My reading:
**7:03**
